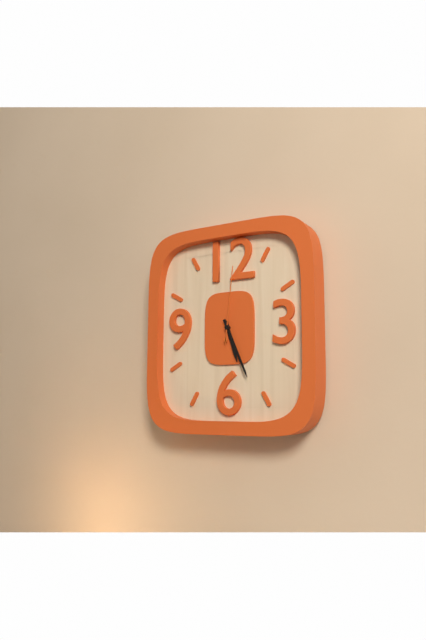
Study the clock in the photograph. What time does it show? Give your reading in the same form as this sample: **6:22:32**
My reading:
**5:26:01**
